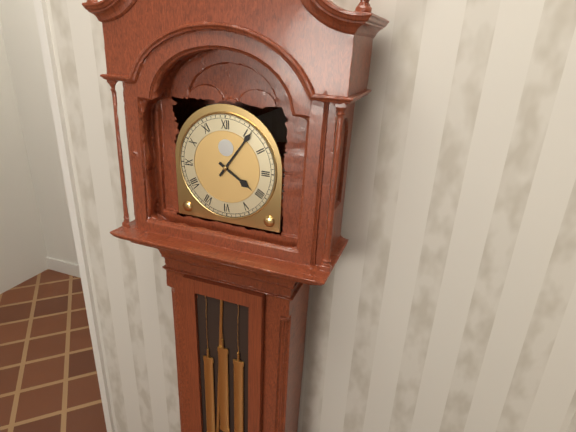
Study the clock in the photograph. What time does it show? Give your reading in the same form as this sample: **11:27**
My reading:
**4:06**
